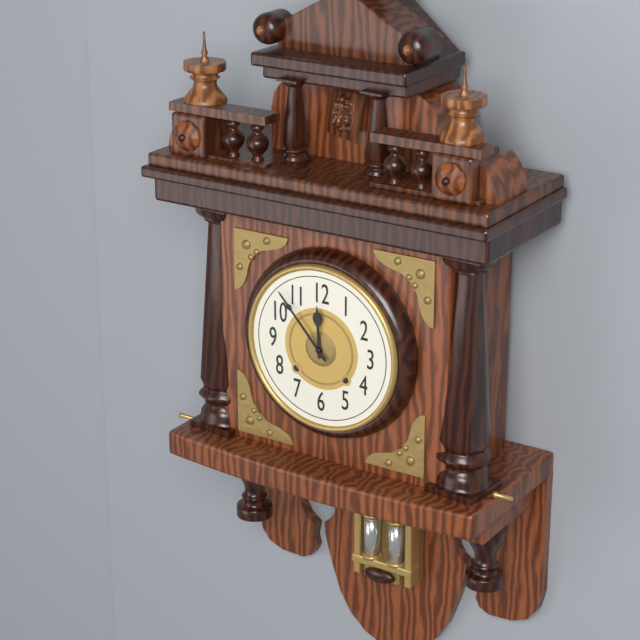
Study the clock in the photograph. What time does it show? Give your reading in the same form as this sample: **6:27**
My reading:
**11:53**
